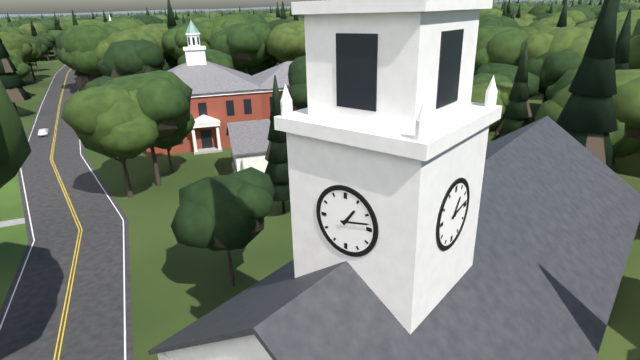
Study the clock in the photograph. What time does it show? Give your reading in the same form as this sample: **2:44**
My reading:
**1:13**
